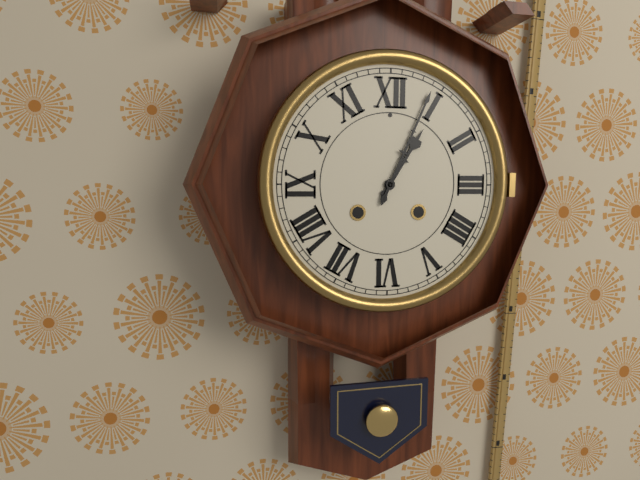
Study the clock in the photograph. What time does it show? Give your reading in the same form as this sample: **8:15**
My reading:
**1:04**
